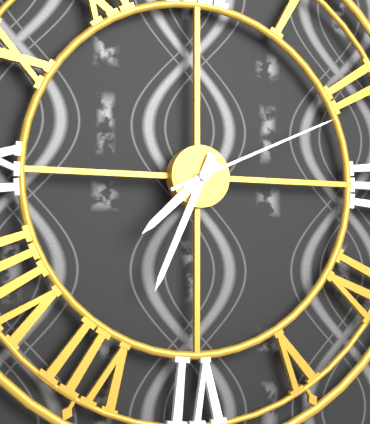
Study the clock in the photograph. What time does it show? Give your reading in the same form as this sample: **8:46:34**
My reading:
**7:34:11**
